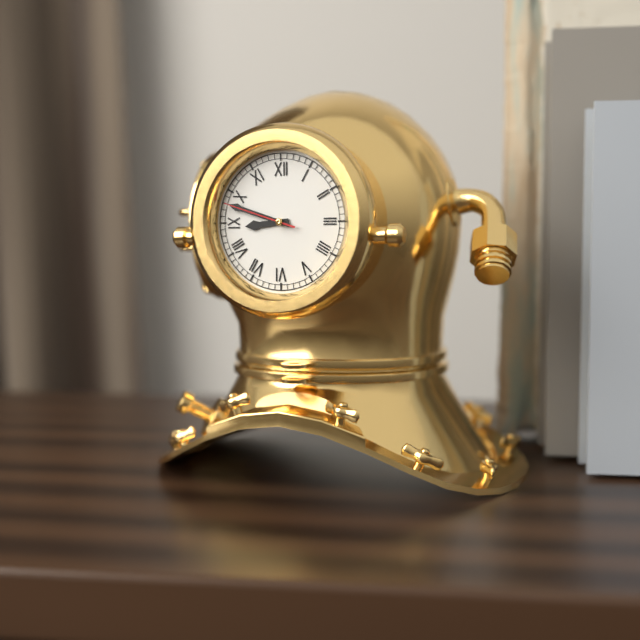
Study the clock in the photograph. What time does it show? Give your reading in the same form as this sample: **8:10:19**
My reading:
**8:48:48**
